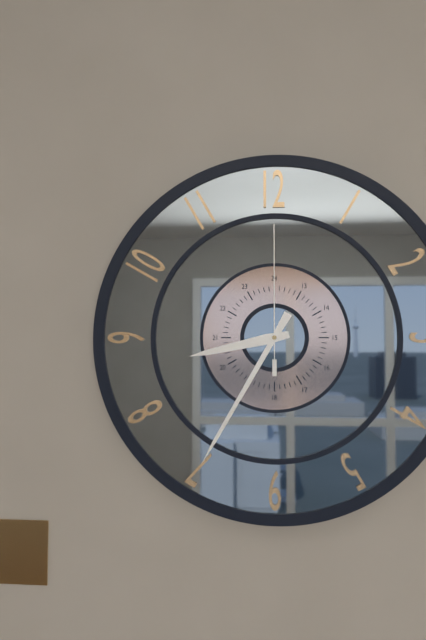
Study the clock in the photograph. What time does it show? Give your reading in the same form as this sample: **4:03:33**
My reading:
**8:35:00**
